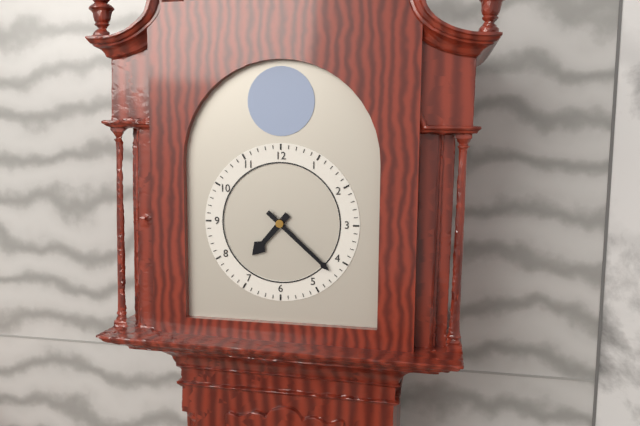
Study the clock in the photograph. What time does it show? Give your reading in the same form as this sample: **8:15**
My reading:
**7:22**
